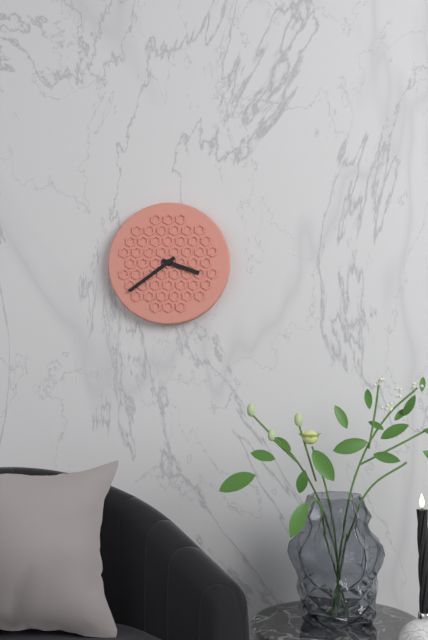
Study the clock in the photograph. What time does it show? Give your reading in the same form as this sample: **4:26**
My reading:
**3:39**
